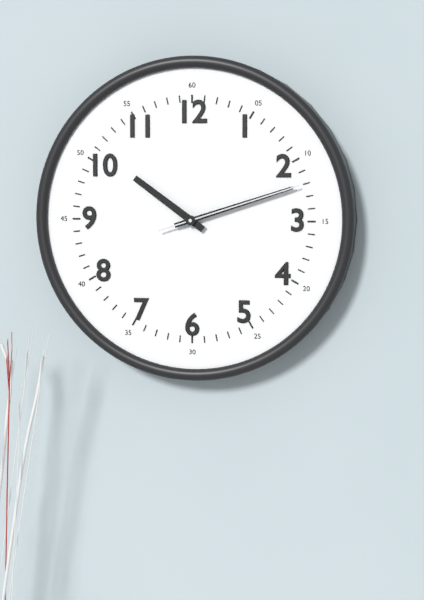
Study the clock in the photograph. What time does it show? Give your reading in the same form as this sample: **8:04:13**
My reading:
**10:12:12**
